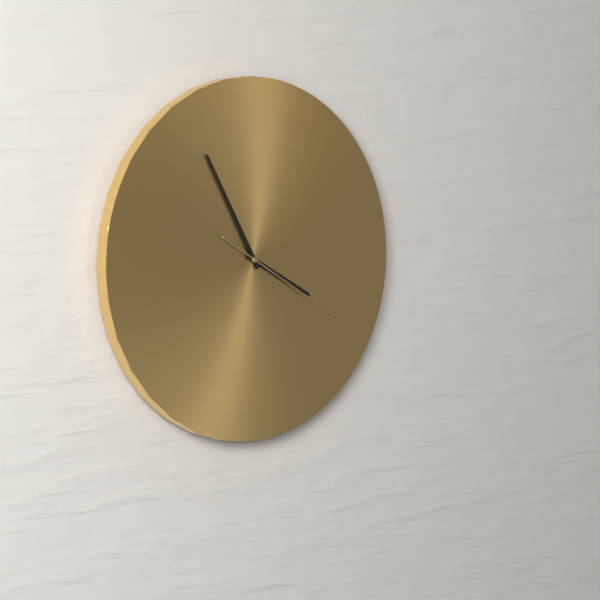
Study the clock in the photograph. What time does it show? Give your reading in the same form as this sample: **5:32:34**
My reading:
**3:55:20**
